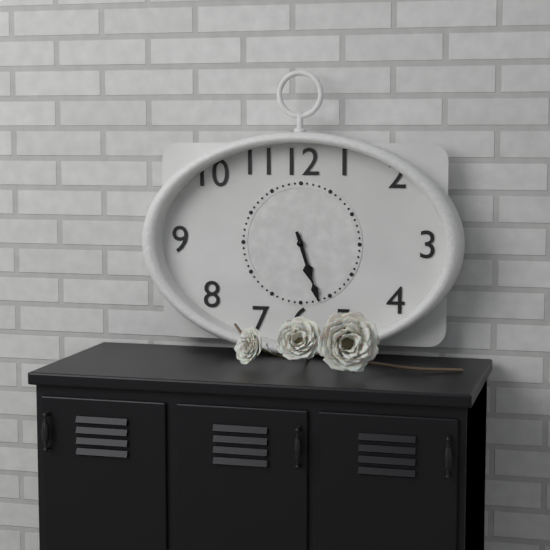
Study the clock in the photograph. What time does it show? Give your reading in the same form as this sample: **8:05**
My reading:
**5:27**
